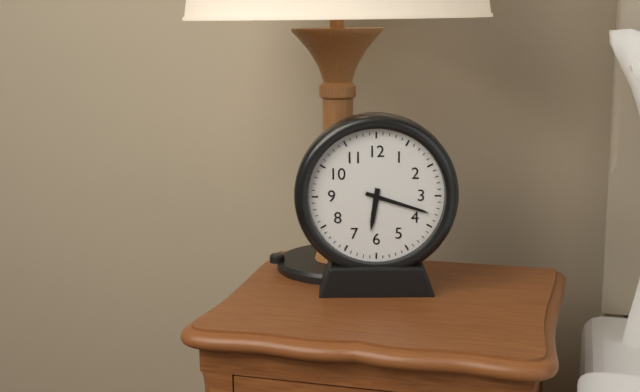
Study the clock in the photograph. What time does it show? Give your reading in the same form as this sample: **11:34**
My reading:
**6:18**
